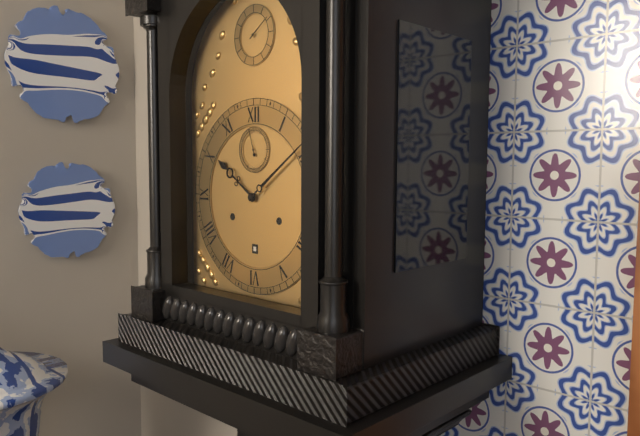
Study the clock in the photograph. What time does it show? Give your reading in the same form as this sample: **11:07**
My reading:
**10:09**
